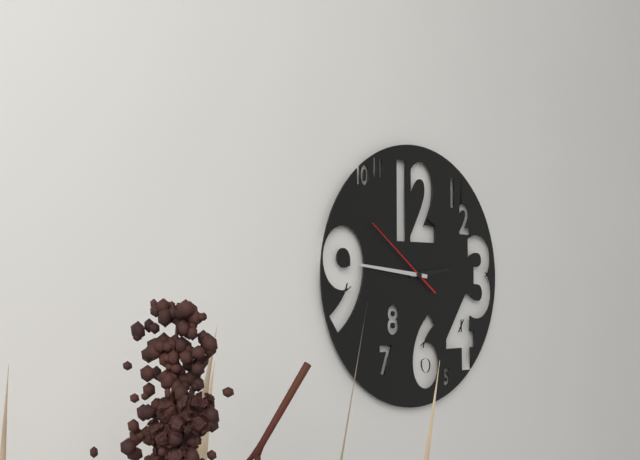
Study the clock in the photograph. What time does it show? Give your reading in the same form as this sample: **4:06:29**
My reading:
**2:46:51**
